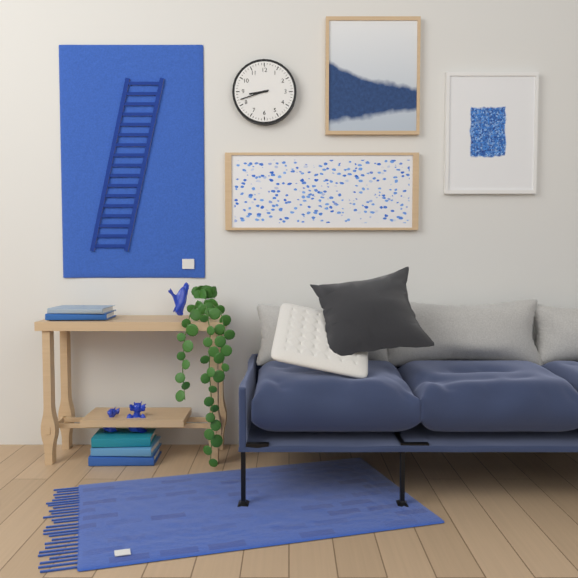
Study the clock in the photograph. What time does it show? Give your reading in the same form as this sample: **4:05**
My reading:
**8:42**
